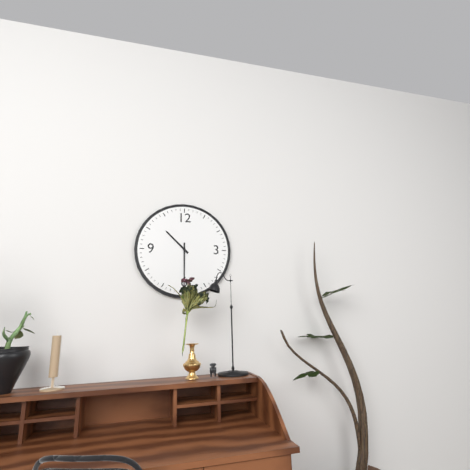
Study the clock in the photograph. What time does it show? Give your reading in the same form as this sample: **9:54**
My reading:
**10:30**
